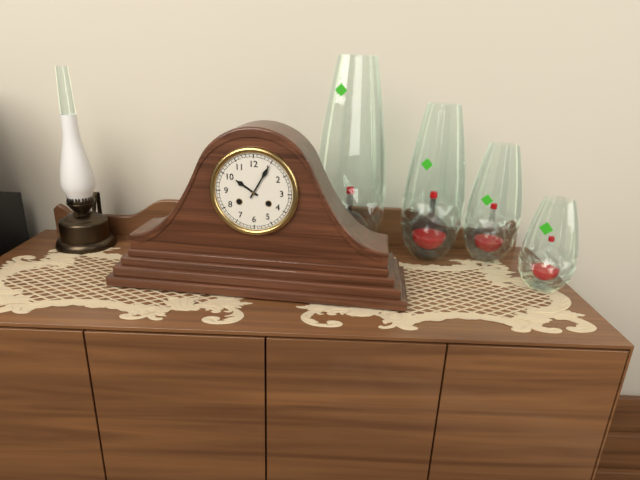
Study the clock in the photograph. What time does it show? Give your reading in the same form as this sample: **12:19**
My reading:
**10:05**
